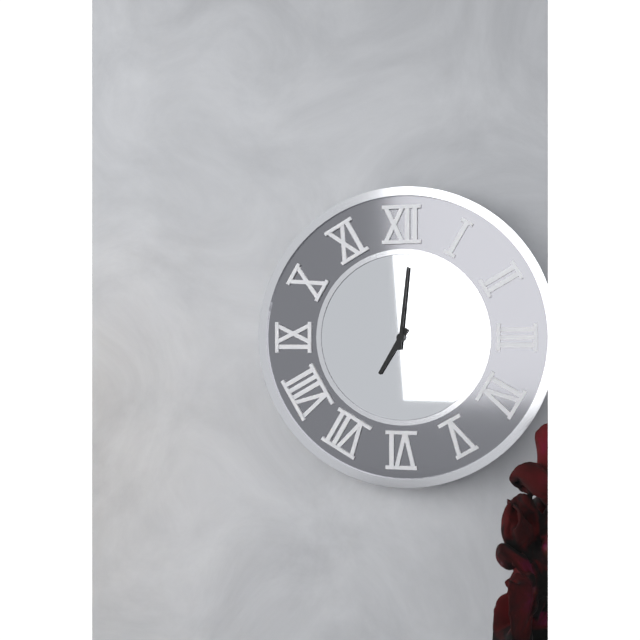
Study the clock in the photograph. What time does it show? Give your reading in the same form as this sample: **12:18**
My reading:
**7:01**
